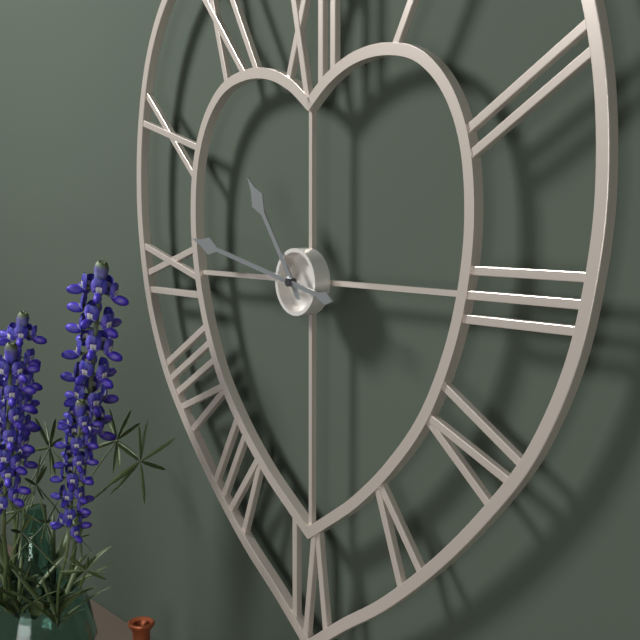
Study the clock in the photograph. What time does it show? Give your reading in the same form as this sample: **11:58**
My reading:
**10:47**
